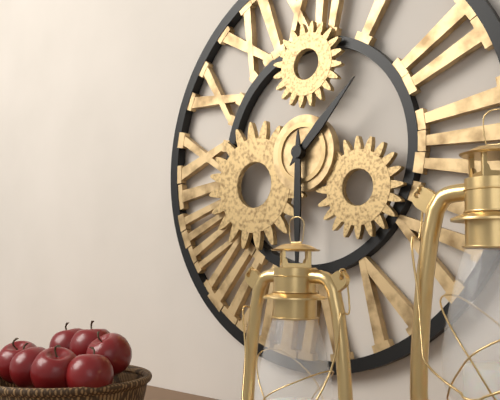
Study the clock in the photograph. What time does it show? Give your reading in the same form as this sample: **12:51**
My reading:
**1:30**
